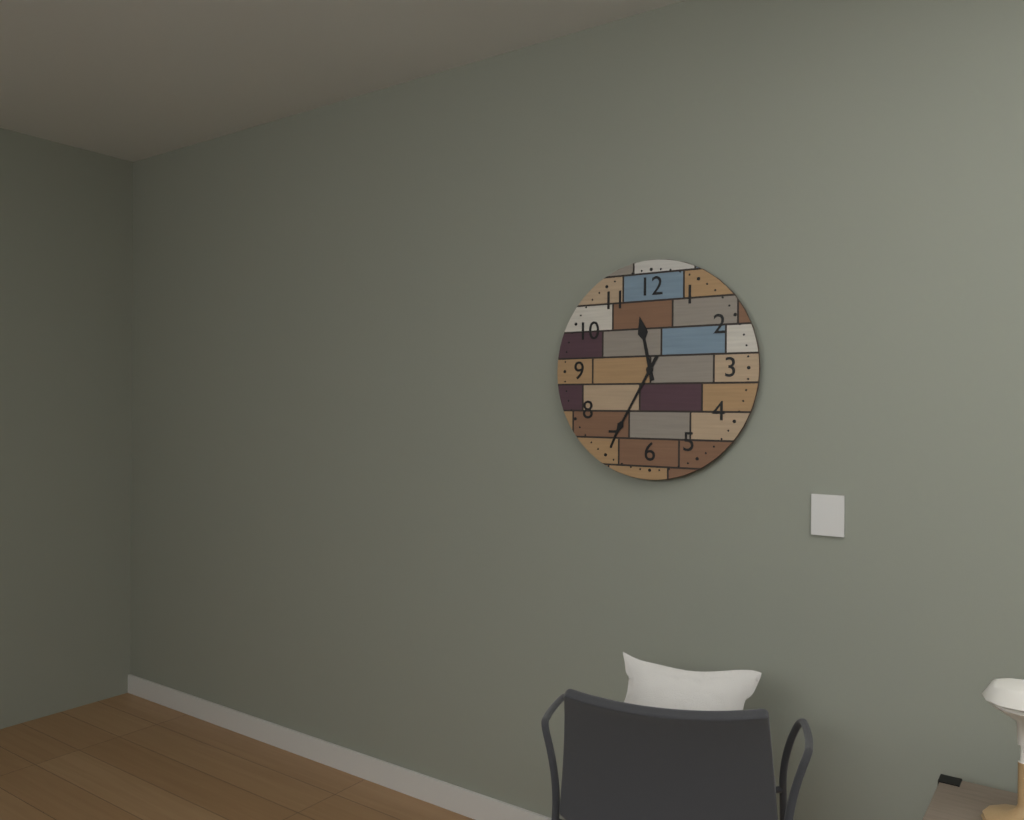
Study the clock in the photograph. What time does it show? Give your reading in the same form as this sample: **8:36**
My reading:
**11:35**
